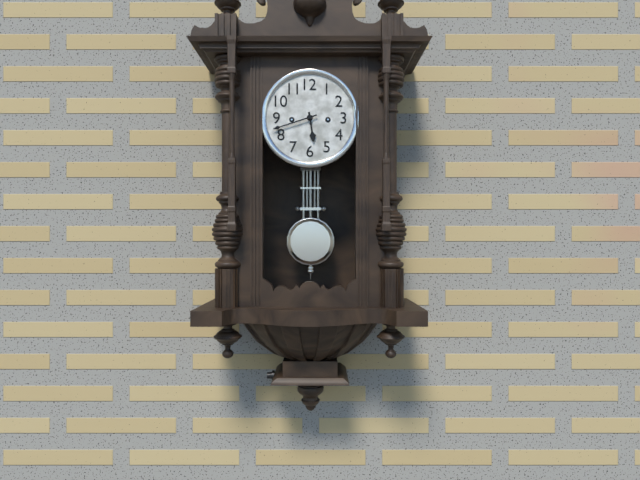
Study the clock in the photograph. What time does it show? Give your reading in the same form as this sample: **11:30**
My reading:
**5:42**
